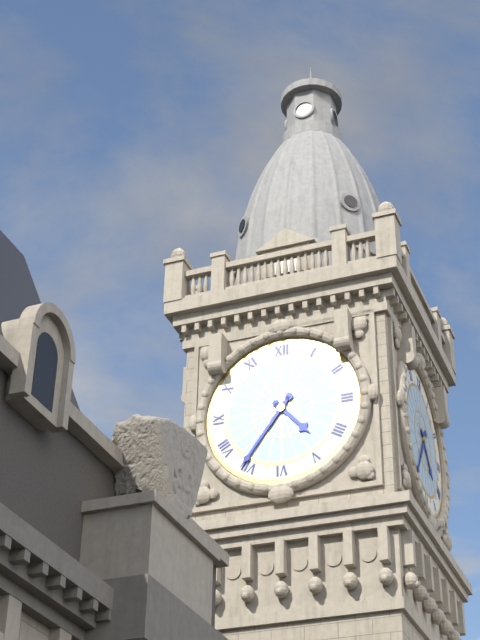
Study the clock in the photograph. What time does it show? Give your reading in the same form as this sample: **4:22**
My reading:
**4:36**
